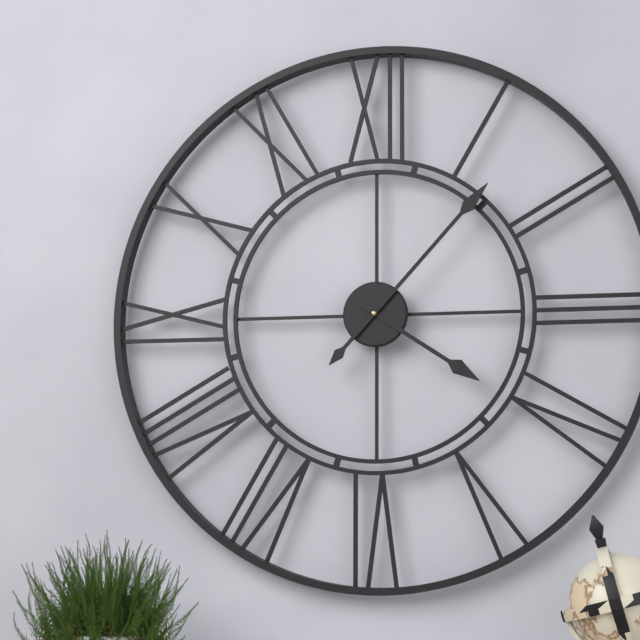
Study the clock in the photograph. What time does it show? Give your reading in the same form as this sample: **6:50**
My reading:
**4:07**
